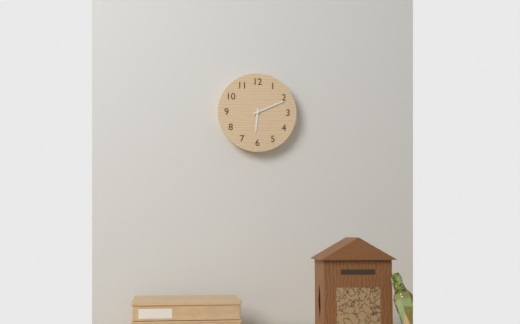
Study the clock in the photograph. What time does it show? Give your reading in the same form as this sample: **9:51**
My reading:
**6:11**
